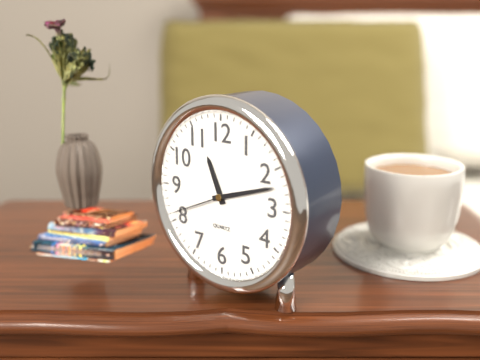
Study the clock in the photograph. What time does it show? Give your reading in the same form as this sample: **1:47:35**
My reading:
**11:12:41**
